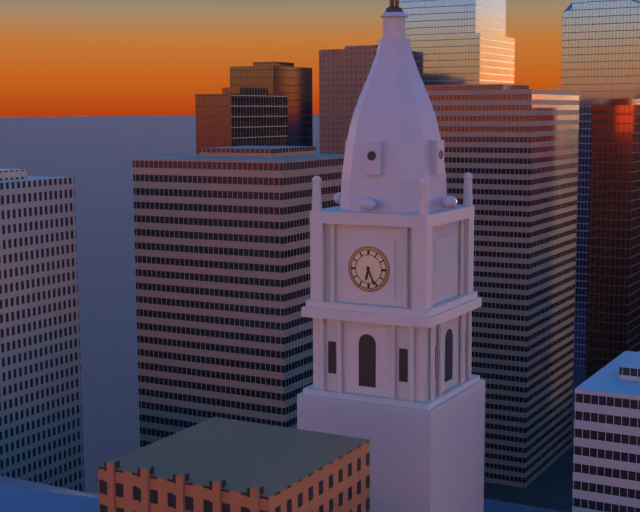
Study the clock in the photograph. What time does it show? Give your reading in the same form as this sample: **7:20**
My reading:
**6:26**
